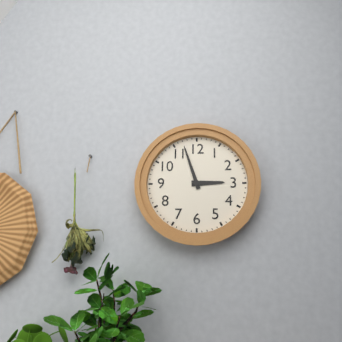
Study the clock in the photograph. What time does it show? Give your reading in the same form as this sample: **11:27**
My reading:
**2:57**
